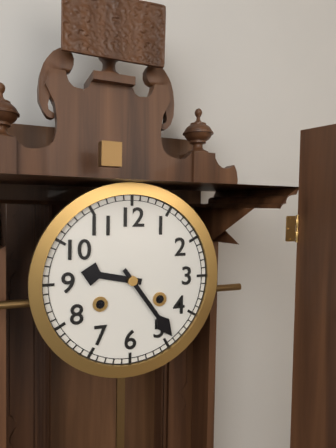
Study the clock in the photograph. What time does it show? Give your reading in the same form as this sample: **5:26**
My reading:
**9:24**
